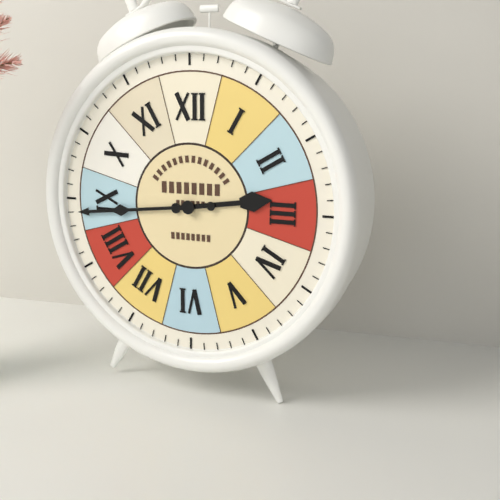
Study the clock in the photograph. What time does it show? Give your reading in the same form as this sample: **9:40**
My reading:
**2:44**
